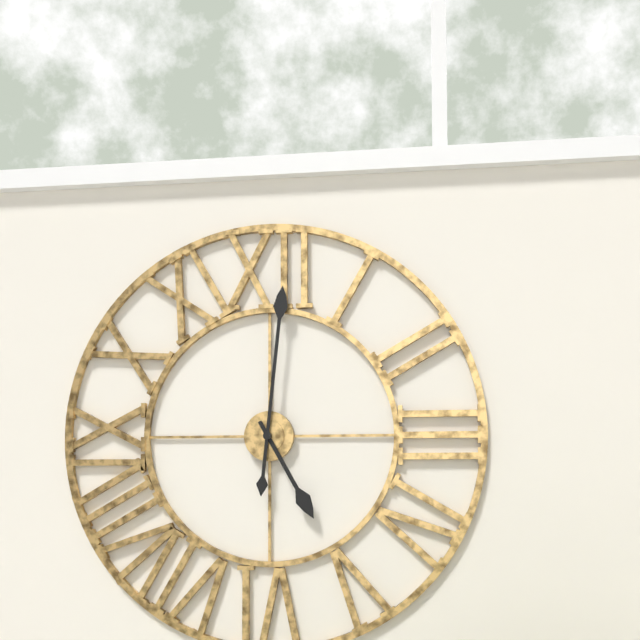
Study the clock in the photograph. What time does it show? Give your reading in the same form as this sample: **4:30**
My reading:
**5:01**
